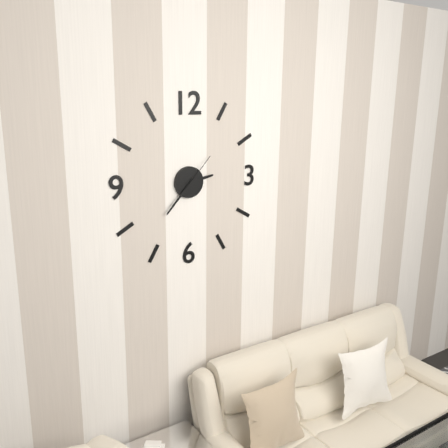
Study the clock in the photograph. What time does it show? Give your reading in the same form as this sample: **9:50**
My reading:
**2:37**
